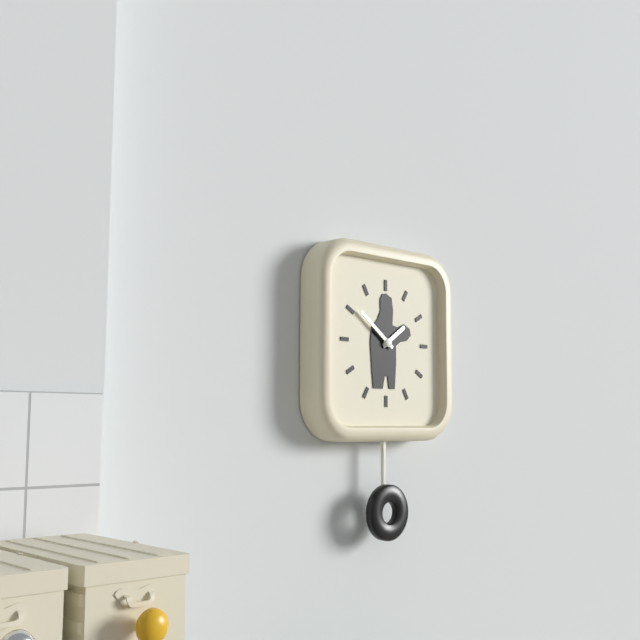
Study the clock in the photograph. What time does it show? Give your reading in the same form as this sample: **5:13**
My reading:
**1:51**
